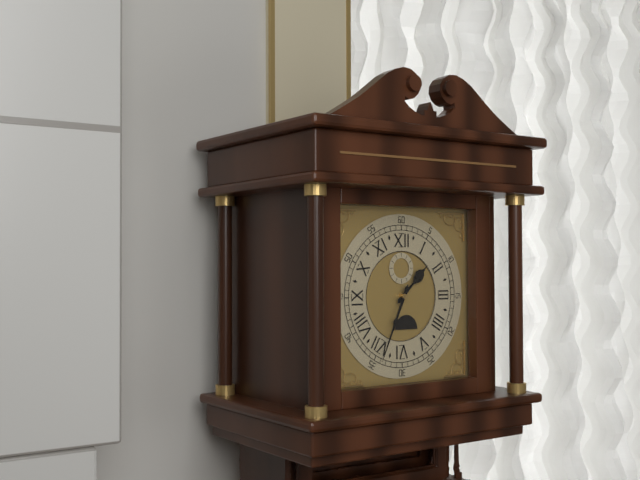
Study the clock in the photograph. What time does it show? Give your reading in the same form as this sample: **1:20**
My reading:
**1:34**
